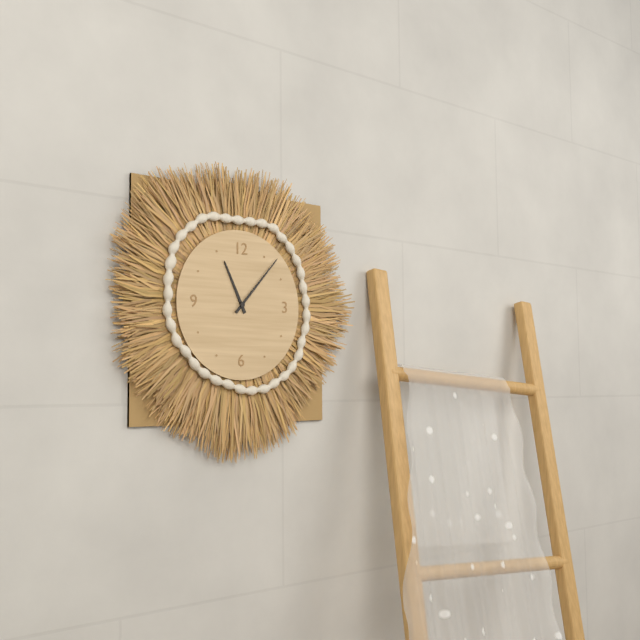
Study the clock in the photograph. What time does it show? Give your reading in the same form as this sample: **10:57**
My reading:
**11:07**
